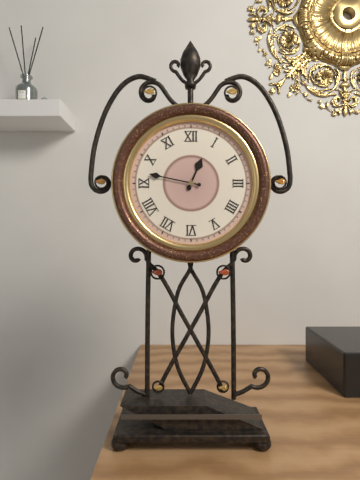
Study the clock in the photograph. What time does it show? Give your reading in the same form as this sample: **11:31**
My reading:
**12:47**
